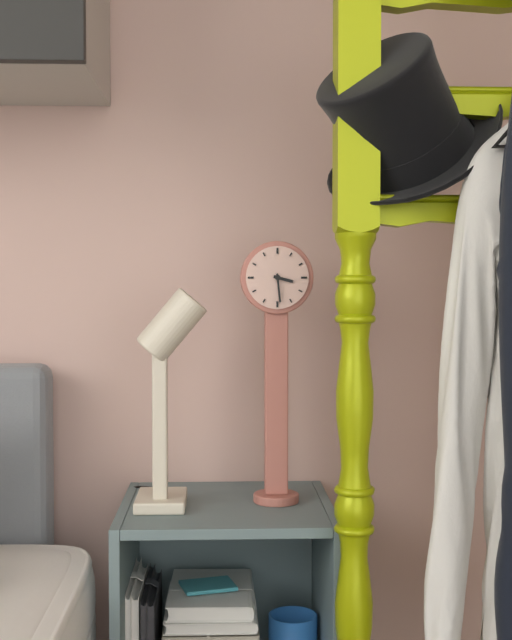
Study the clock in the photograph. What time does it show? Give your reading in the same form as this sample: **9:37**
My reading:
**3:29**
